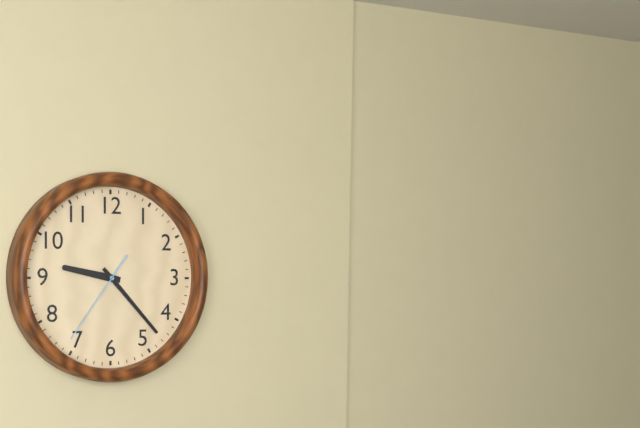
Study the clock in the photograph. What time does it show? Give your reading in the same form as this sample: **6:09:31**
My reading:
**9:23:36**
